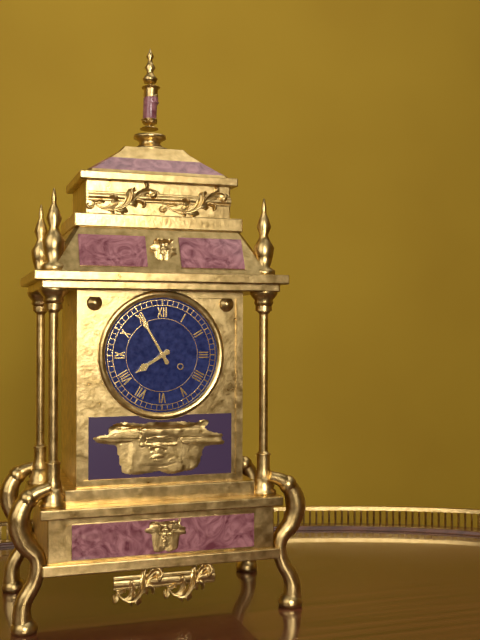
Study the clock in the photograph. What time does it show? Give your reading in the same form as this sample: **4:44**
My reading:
**7:55**
